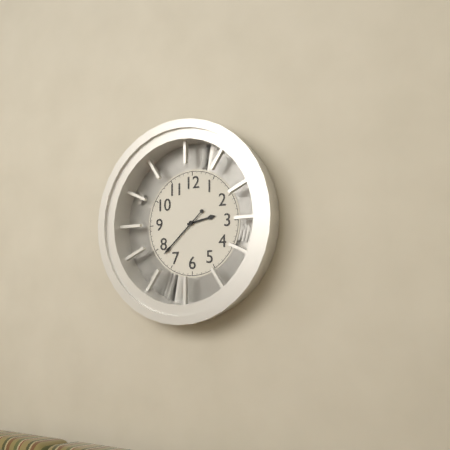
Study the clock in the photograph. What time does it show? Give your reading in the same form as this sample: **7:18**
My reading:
**2:38**
